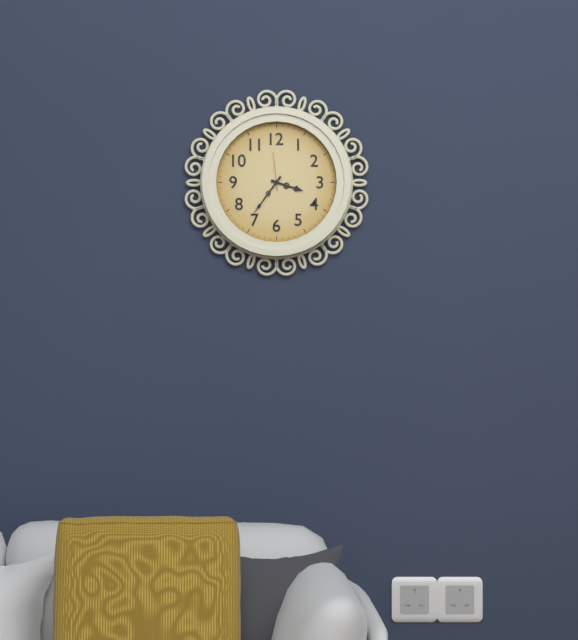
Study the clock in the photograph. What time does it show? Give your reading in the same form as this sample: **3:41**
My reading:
**3:36**
